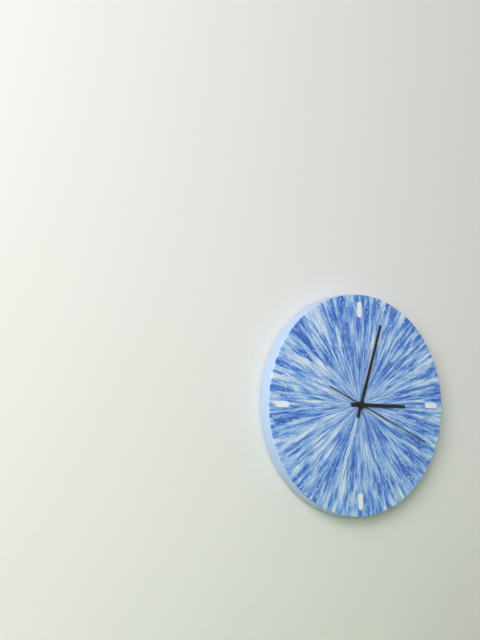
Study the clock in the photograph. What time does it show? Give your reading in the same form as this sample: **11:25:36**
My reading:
**3:03:19**
